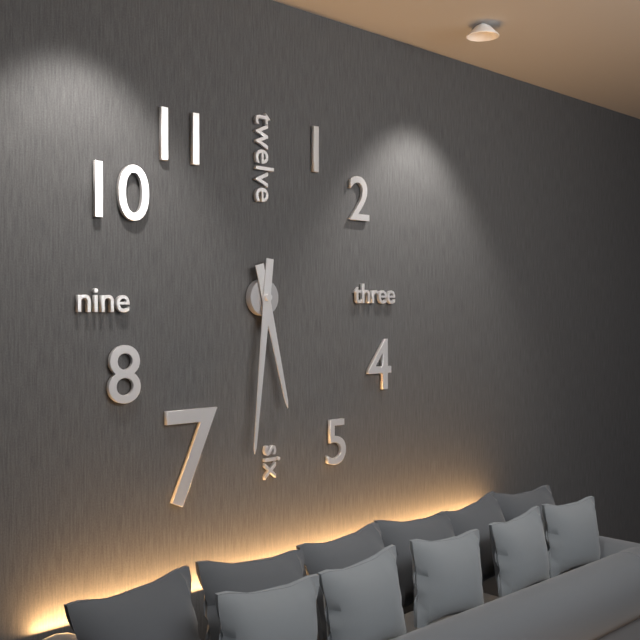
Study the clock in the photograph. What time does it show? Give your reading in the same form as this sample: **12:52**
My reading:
**5:31**
